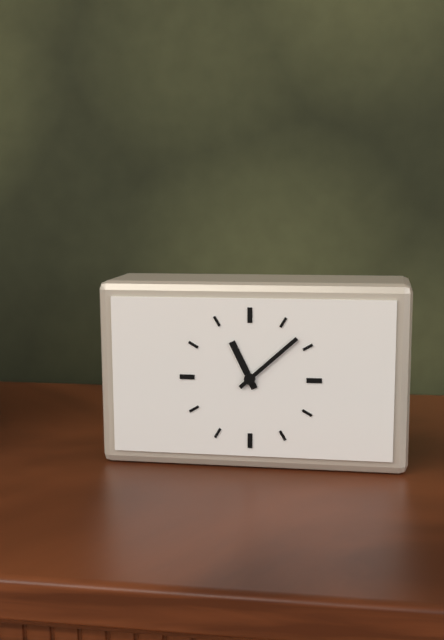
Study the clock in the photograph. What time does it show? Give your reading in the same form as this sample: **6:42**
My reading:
**11:08**
